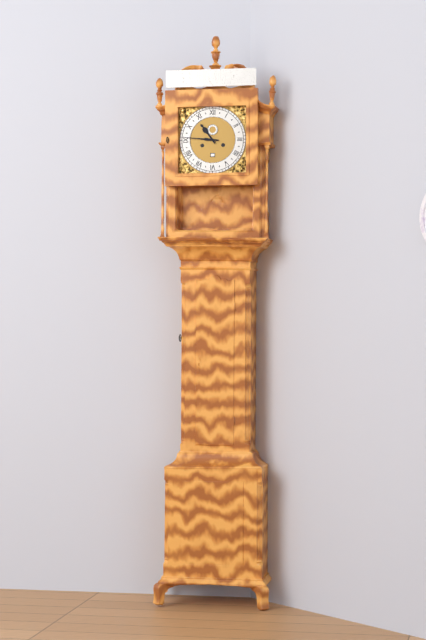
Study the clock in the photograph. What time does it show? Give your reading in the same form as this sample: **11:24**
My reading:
**10:46**
